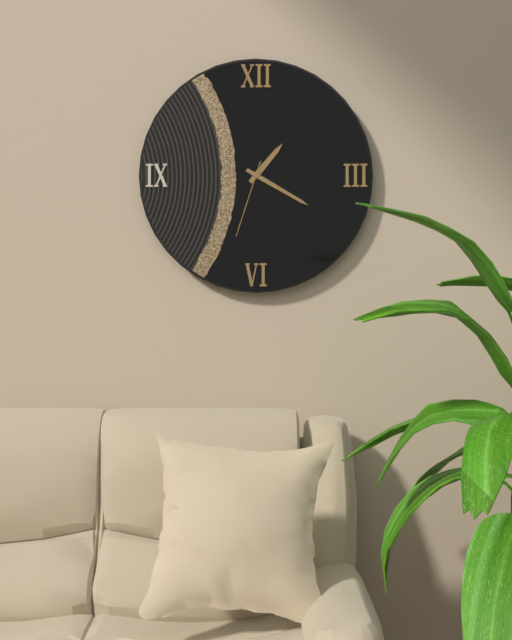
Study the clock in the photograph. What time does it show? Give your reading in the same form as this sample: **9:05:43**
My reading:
**1:20:33**
